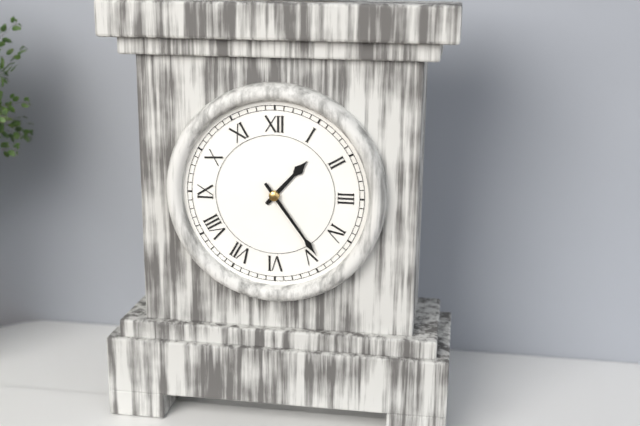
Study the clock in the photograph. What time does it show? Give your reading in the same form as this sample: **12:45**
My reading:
**1:24**
